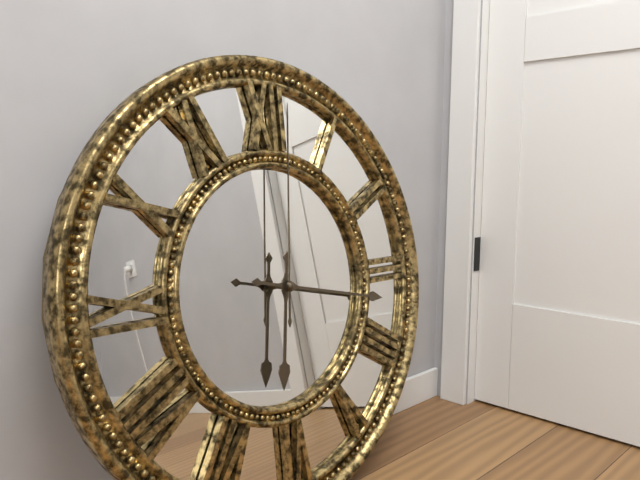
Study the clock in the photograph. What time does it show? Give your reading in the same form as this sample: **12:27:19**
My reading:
**6:17:01**
